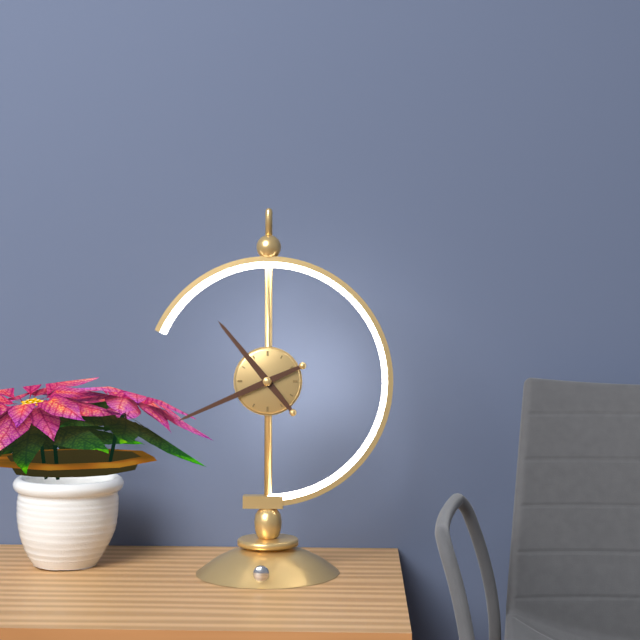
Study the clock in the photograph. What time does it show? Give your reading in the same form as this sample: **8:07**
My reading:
**10:41**
